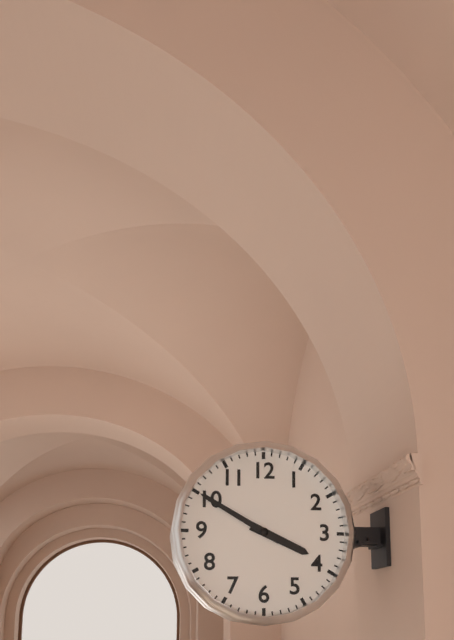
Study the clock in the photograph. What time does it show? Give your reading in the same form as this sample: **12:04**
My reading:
**3:50**
